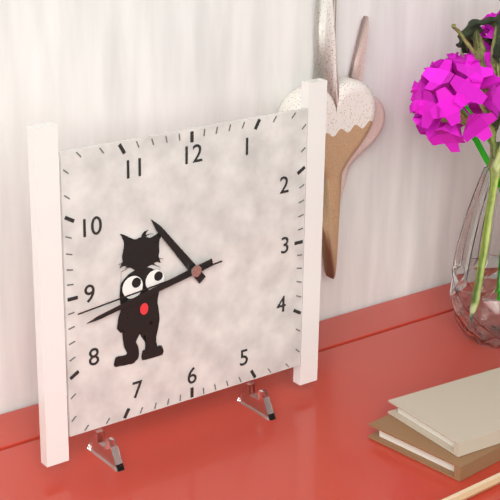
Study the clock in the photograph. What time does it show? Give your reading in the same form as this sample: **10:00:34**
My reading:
**10:43:44**
